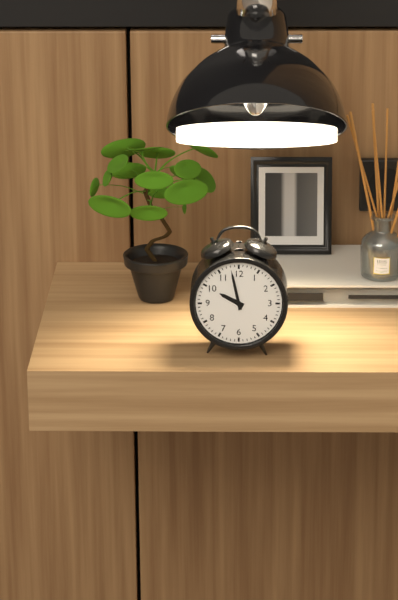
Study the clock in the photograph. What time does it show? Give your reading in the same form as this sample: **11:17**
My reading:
**9:58**
